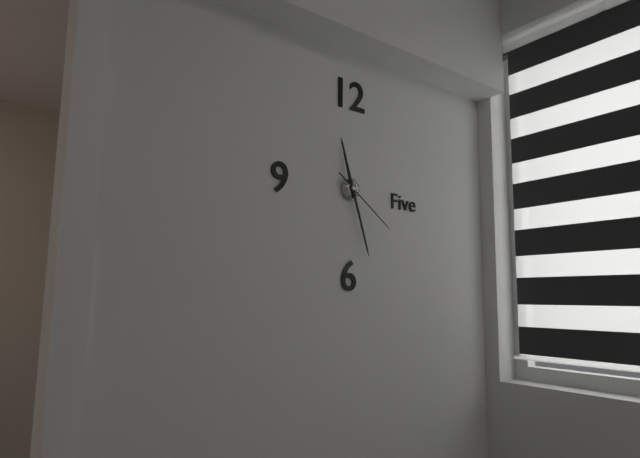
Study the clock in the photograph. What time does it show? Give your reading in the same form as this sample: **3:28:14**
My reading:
**11:27:21**
